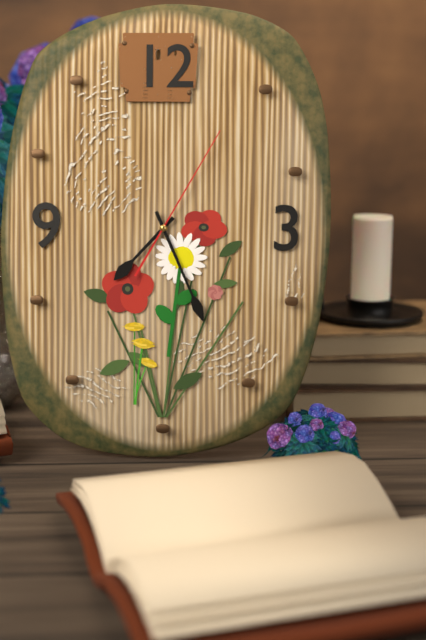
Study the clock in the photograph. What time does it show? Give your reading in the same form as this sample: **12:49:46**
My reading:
**7:26:05**
